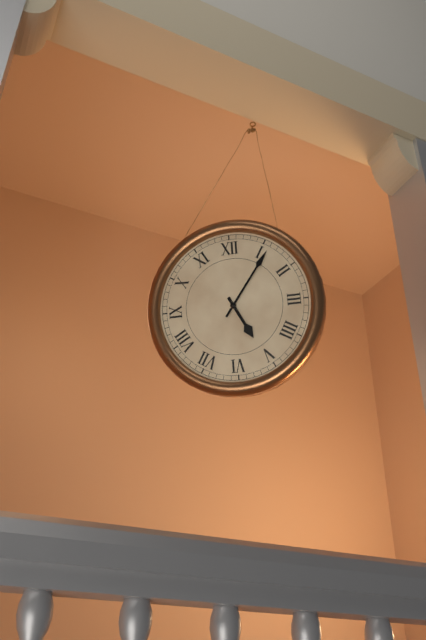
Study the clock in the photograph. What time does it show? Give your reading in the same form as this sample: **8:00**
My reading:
**5:06**
